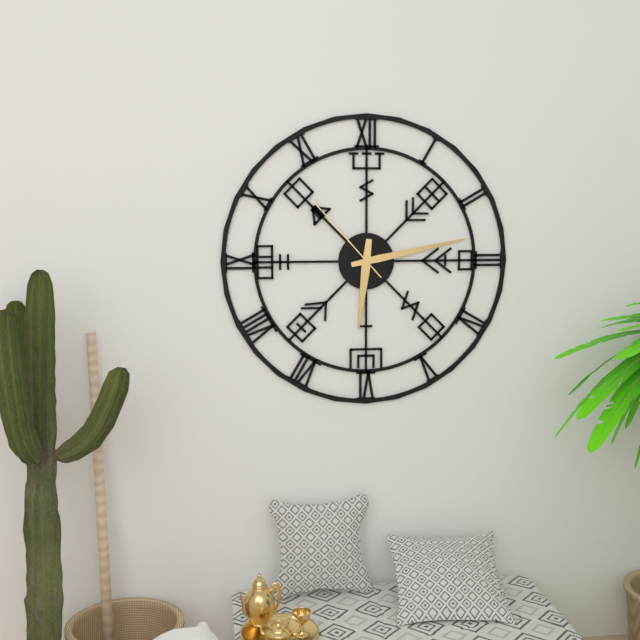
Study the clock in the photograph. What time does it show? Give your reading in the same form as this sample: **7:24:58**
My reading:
**6:13:53**
